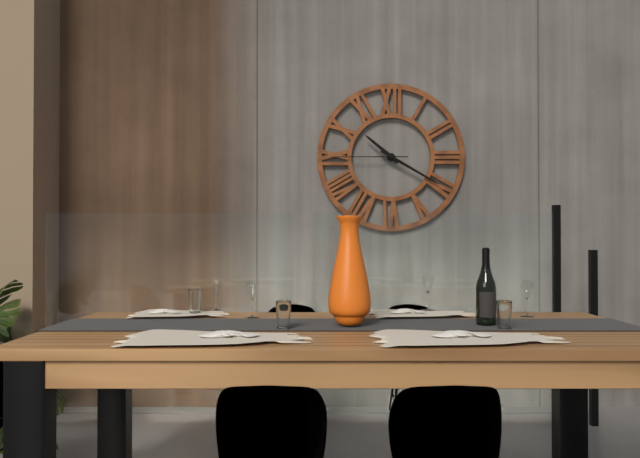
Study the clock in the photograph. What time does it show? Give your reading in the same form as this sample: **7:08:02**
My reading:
**10:20:45**
